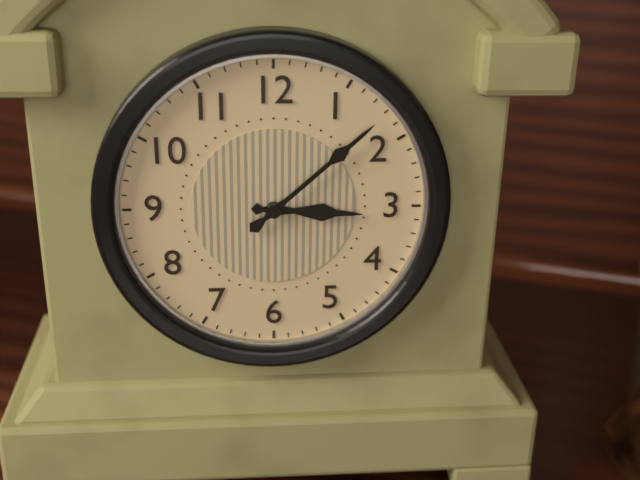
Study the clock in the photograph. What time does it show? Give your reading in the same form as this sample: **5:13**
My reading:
**3:08**
